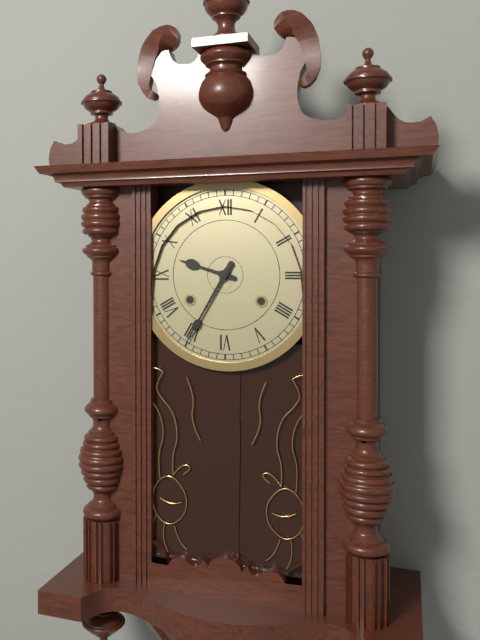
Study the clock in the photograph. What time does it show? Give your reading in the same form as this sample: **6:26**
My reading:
**9:35**
